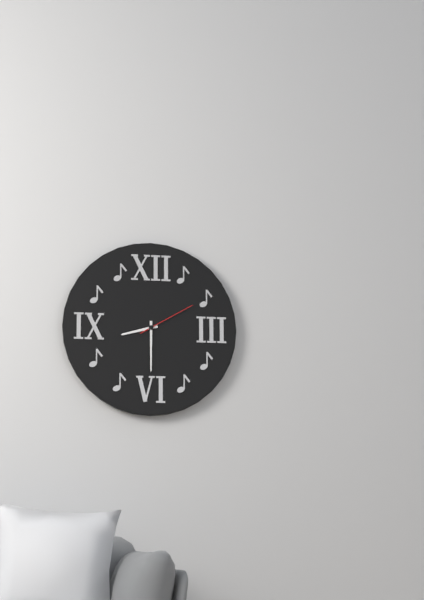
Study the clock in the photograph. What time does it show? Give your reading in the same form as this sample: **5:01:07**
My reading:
**8:30:10**
